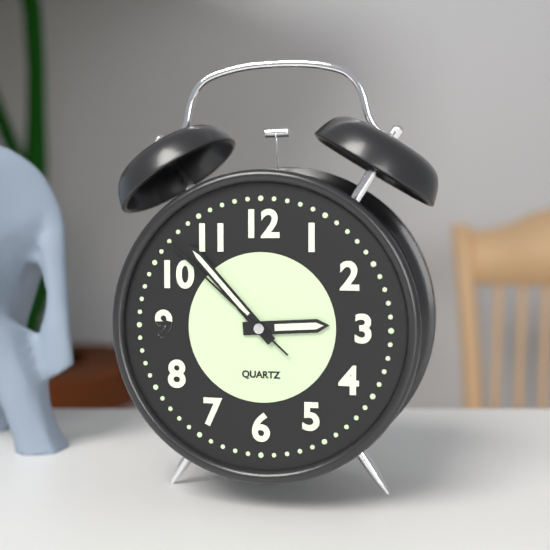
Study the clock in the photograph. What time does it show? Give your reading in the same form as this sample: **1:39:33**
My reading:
**2:53:52**
